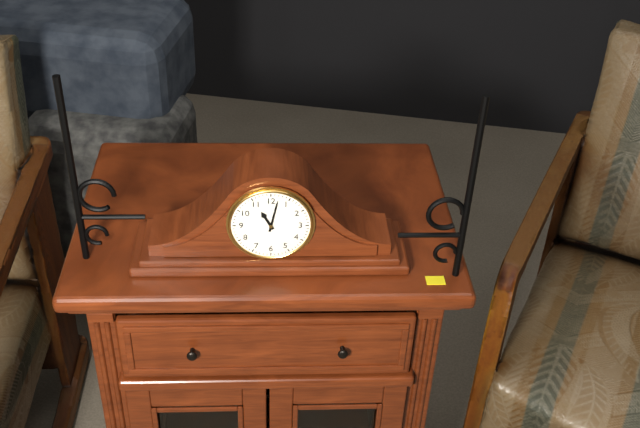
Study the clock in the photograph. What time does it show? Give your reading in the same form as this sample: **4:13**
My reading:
**11:02**
